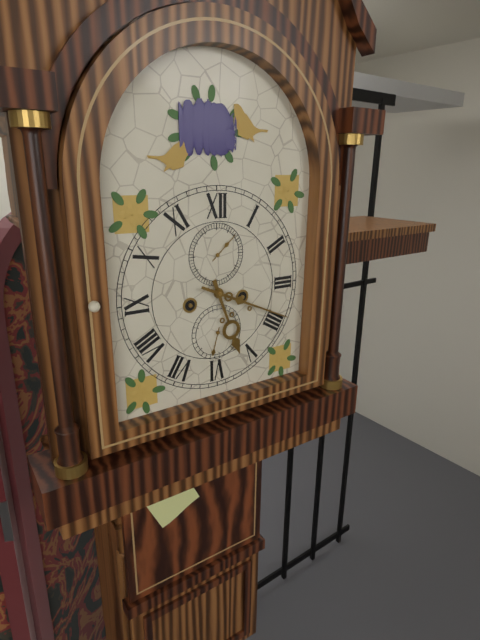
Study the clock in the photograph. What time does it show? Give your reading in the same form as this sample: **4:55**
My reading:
**5:19**
